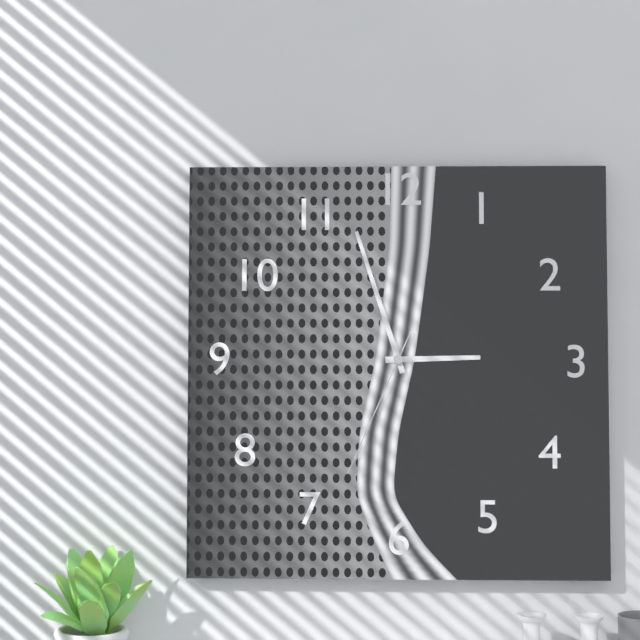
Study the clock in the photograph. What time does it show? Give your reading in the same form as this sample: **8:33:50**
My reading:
**2:57:34**
